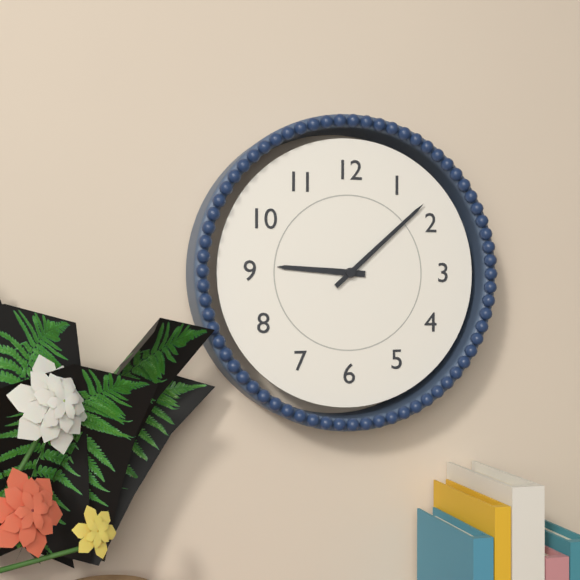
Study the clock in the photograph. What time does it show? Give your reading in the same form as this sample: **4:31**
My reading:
**9:08**
